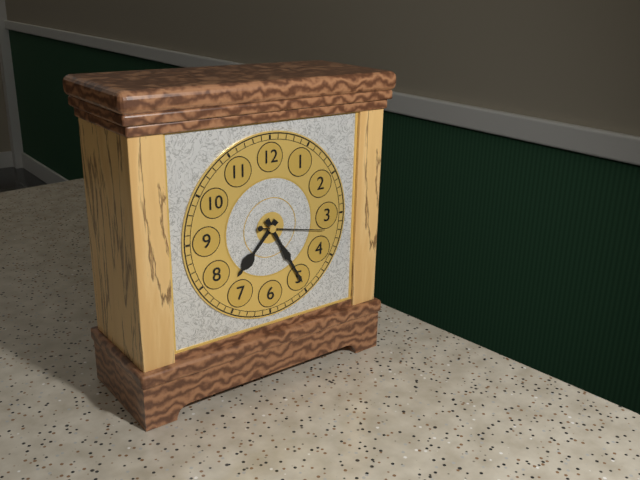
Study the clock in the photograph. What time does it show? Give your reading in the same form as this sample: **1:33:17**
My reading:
**7:25:17**
